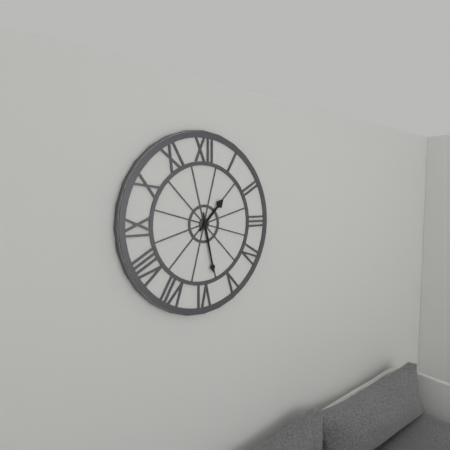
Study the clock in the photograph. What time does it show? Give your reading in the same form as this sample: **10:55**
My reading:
**1:28**
